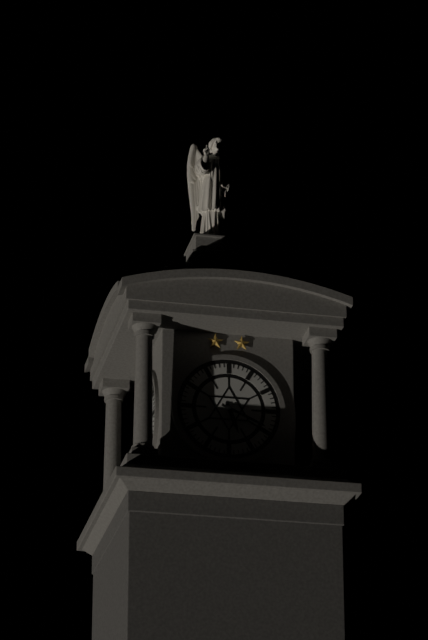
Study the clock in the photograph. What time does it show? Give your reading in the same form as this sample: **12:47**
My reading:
**5:19**
